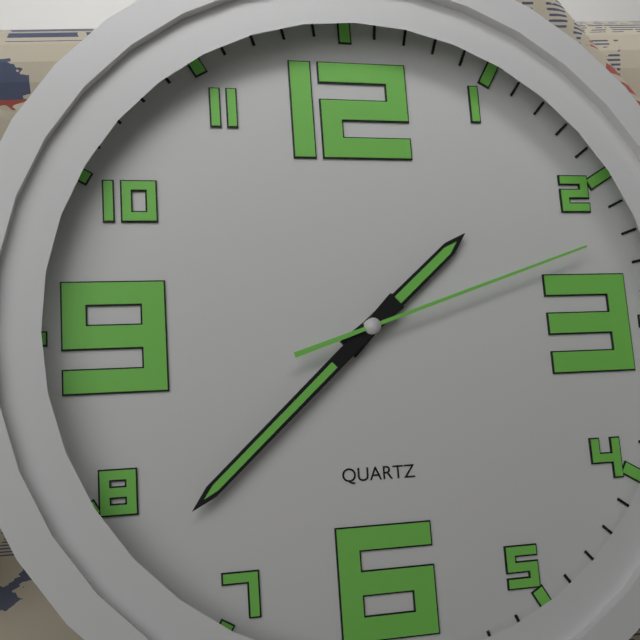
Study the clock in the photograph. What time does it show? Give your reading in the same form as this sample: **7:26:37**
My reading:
**1:38:12**
